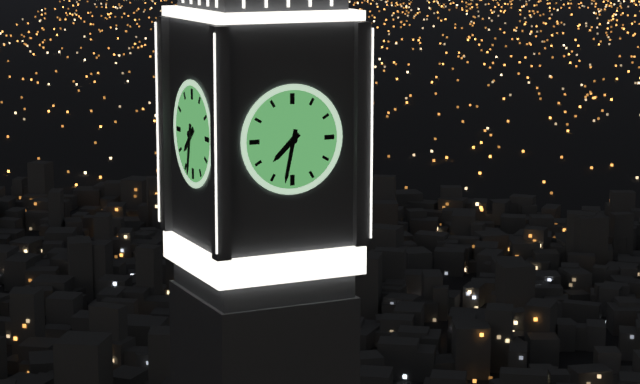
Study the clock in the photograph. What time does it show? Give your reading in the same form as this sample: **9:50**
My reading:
**7:32**
